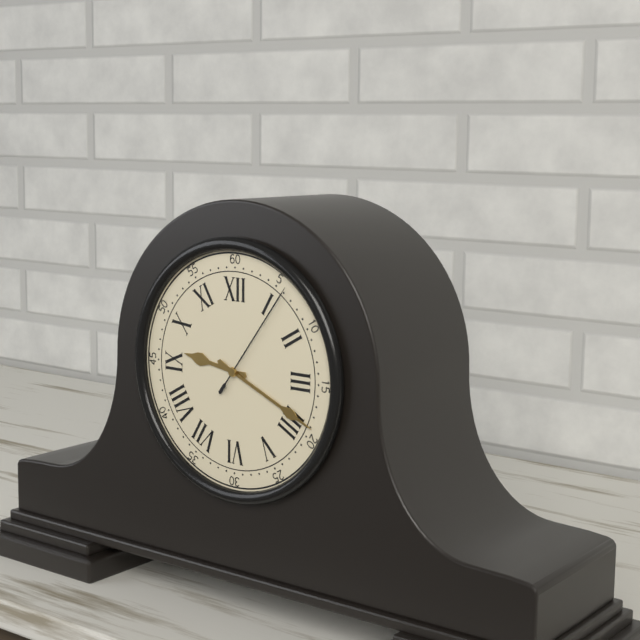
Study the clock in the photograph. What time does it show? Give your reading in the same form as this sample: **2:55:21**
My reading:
**9:19:06**
